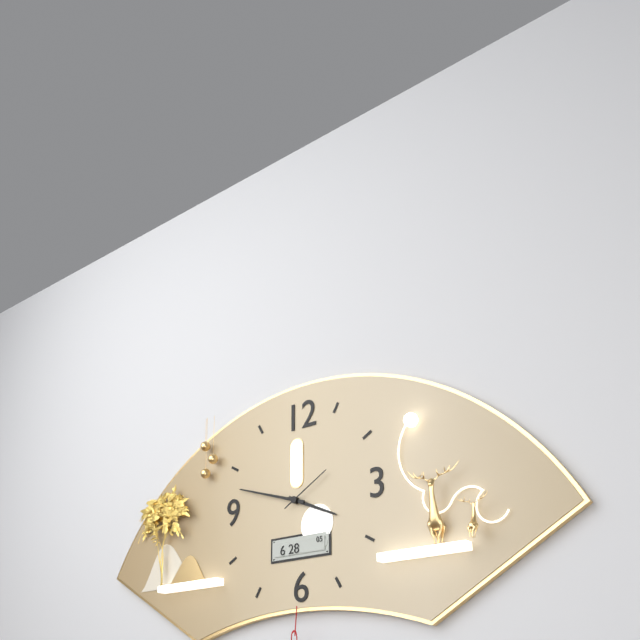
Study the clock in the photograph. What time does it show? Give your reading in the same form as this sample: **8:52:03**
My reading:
**3:48:10**
